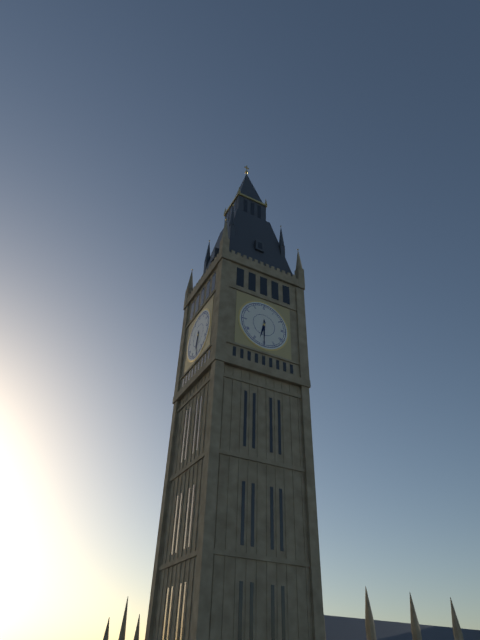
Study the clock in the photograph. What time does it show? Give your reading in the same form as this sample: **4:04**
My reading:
**6:30**
